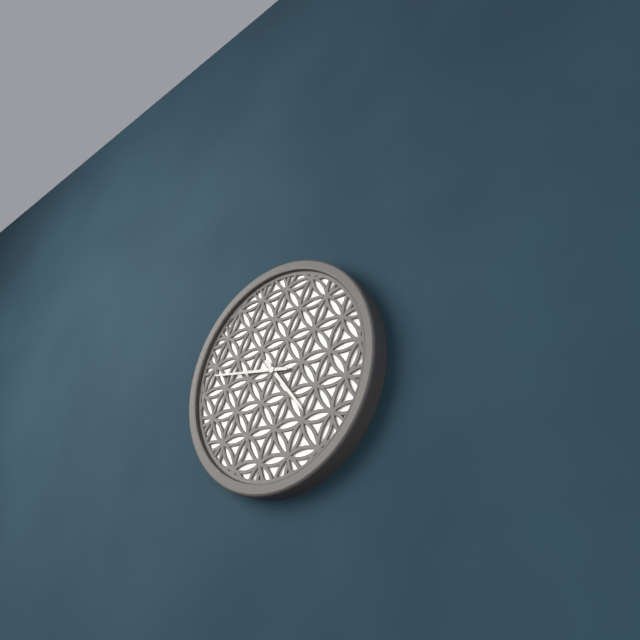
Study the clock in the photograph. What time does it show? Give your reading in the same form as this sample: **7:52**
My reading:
**4:47**
